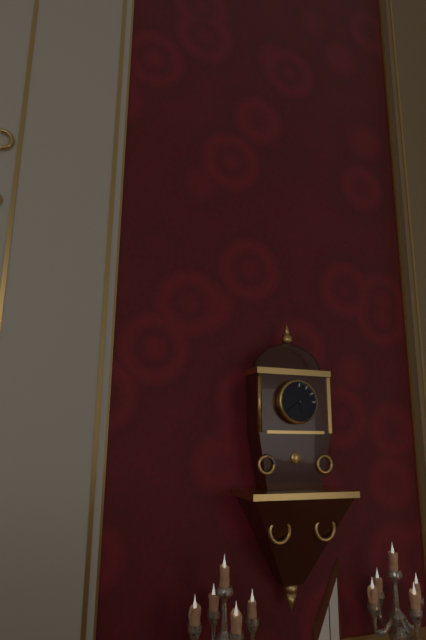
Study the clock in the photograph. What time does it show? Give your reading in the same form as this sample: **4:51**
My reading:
**5:39**
